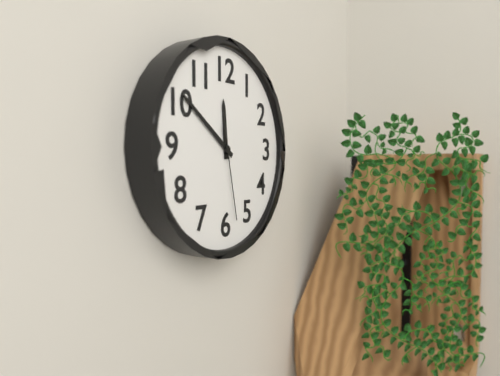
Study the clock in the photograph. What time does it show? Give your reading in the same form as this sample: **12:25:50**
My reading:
**11:51:28**
